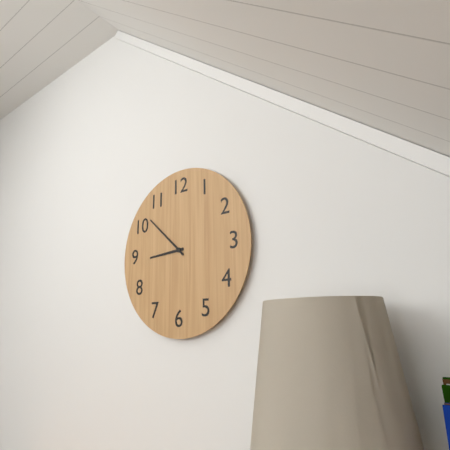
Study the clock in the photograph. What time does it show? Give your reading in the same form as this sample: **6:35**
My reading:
**8:52**
